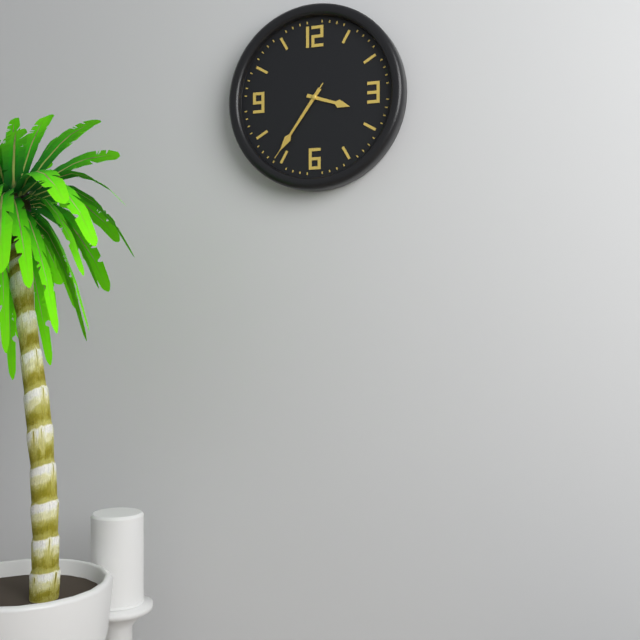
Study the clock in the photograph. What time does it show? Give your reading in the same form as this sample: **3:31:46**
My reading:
**3:36:36**
